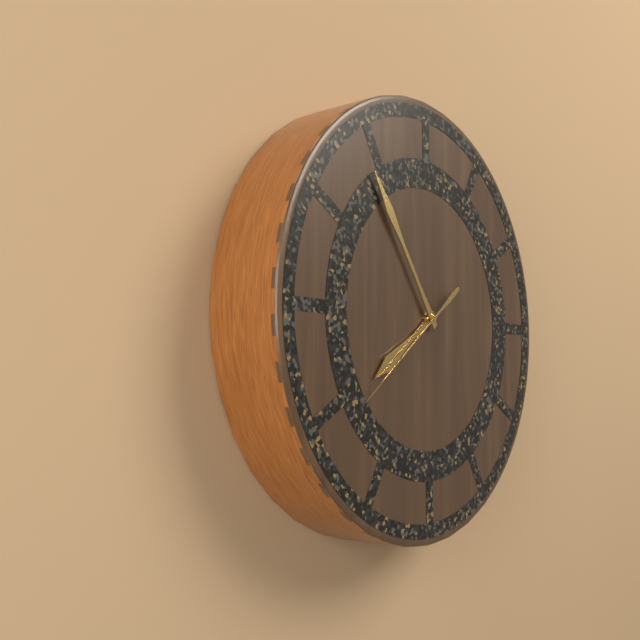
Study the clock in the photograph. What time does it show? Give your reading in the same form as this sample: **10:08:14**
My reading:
**7:54:39**
